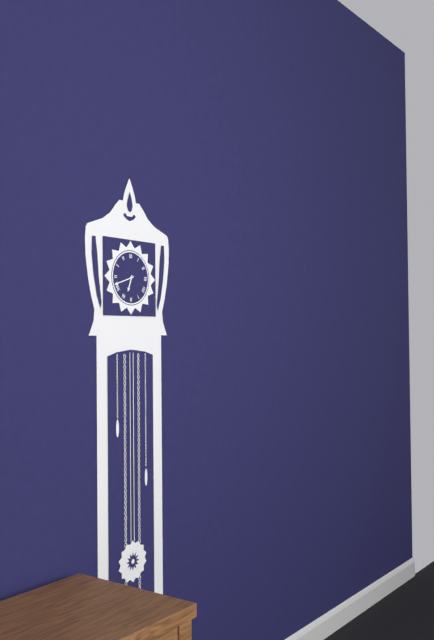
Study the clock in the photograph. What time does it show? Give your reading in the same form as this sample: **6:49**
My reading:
**6:42**
